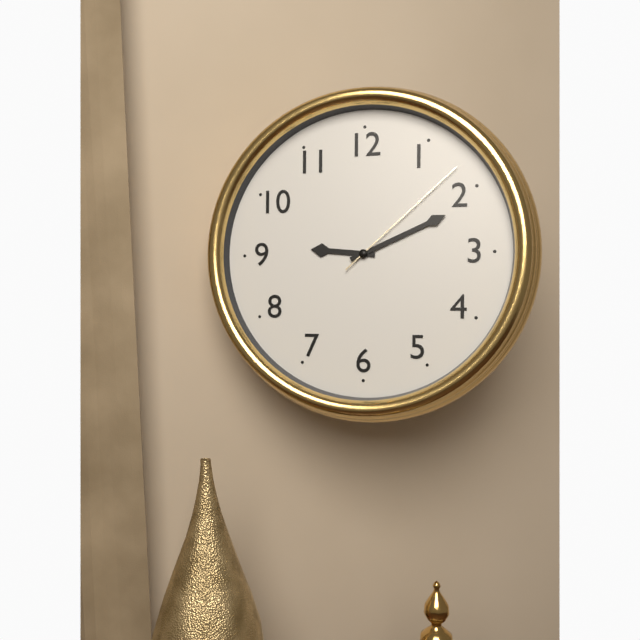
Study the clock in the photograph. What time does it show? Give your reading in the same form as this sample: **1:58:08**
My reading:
**9:11:08**
